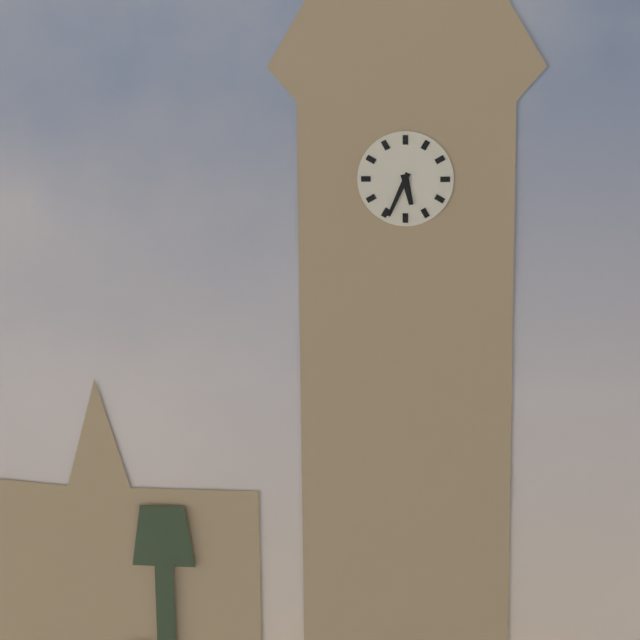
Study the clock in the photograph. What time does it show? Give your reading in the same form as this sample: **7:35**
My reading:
**5:34**
